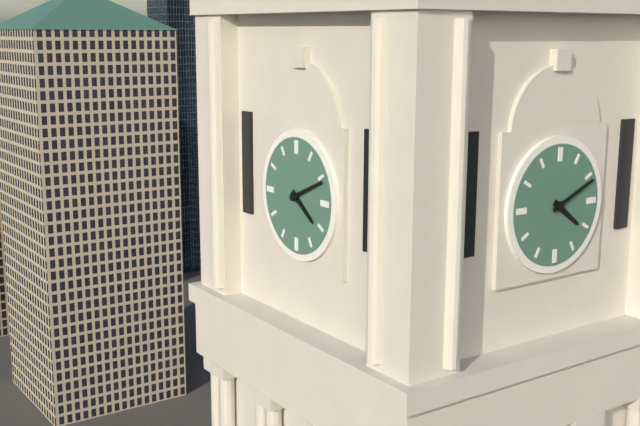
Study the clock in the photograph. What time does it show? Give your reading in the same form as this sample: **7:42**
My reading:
**4:11**
